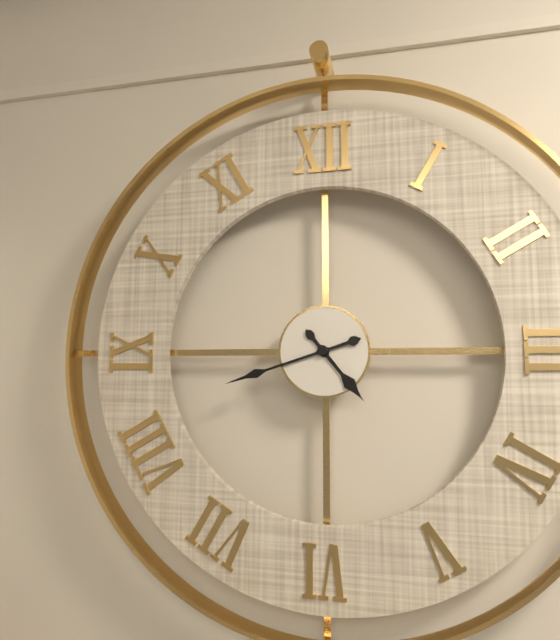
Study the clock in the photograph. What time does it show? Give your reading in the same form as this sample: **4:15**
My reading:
**4:42**
